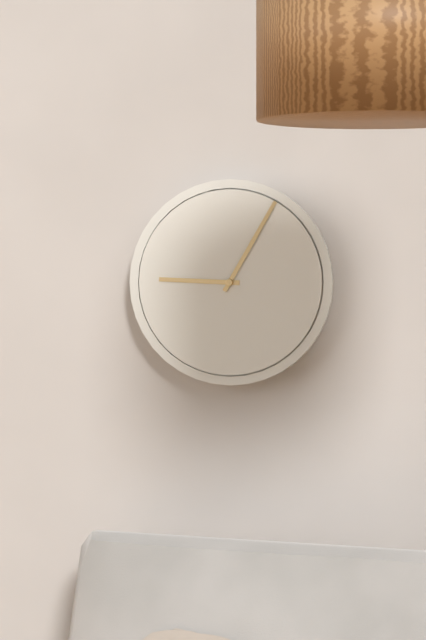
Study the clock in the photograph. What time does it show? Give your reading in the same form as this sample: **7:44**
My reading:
**9:05**
